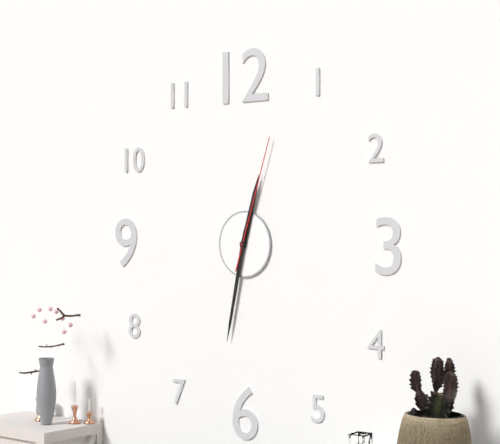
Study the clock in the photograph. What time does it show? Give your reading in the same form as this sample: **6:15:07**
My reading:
**12:32:03**
